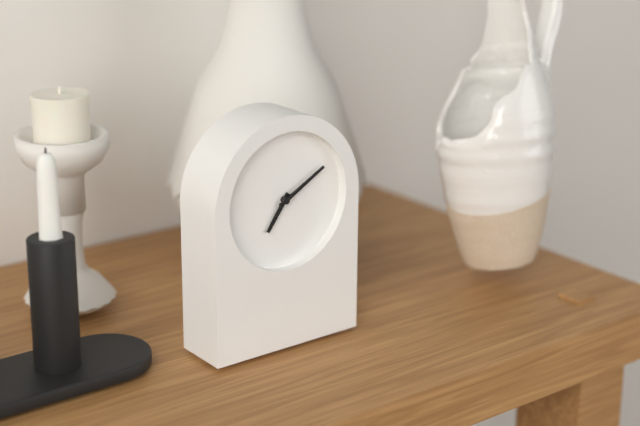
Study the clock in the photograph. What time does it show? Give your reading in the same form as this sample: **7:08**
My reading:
**7:10**
